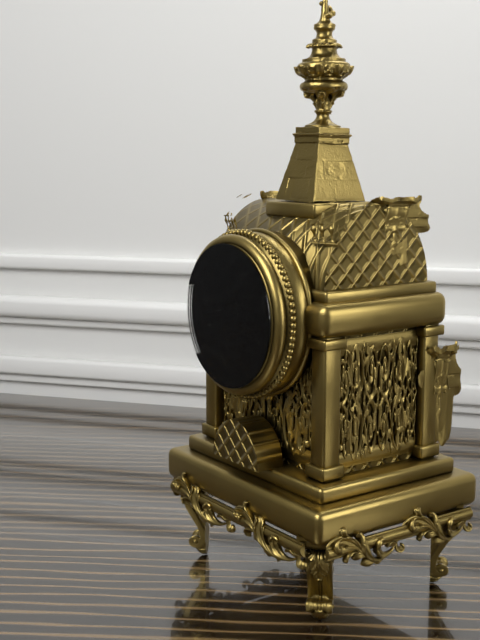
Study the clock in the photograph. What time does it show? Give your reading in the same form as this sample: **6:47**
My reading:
**6:00**
